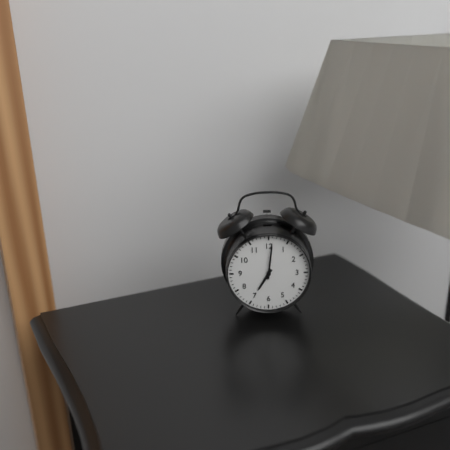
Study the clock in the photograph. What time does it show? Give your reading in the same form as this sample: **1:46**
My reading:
**7:01**
